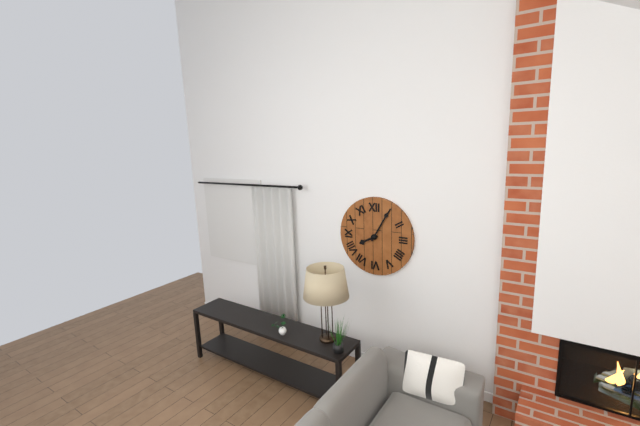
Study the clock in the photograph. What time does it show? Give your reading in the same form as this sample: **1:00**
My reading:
**8:05**
